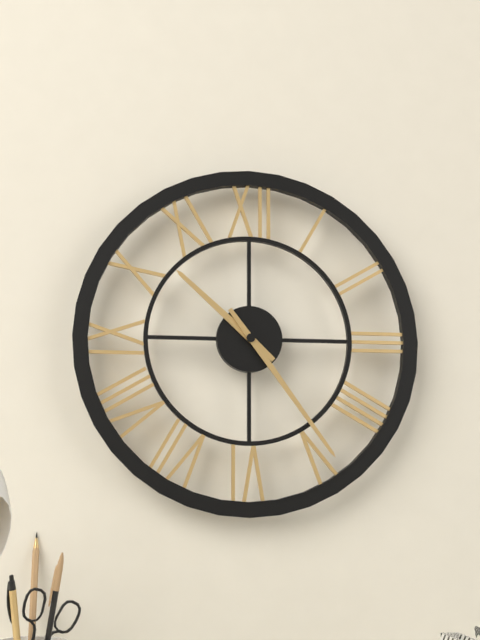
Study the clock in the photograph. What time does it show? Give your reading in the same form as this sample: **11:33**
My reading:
**10:24**
